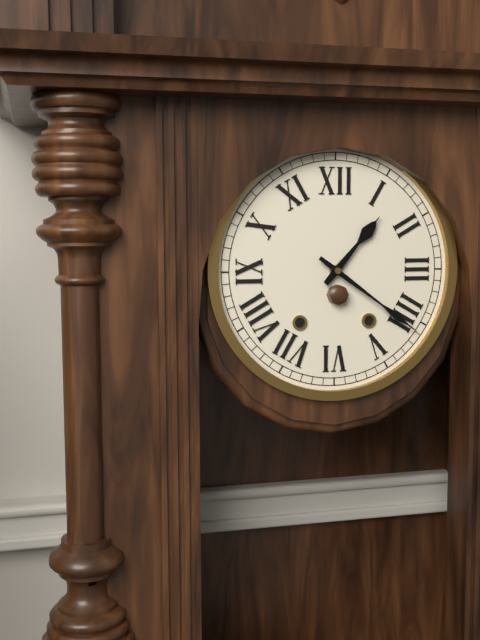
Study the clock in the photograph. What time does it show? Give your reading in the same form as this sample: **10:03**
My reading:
**1:21**
